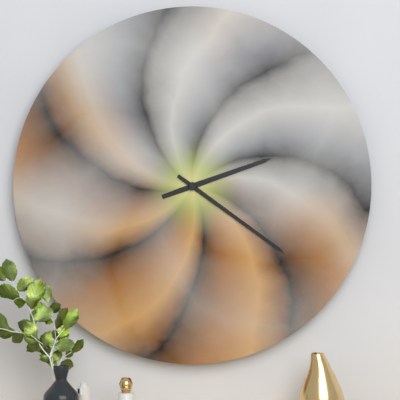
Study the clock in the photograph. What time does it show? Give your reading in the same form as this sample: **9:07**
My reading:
**2:21**
